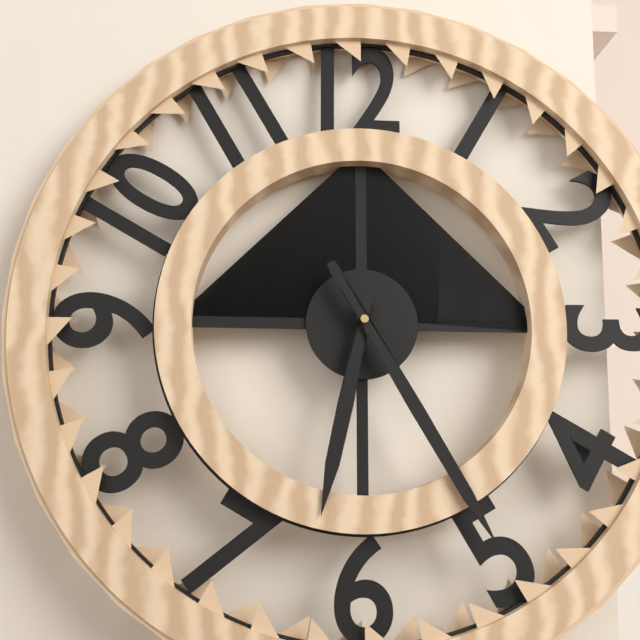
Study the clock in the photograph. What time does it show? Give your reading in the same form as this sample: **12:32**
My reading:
**6:25**
